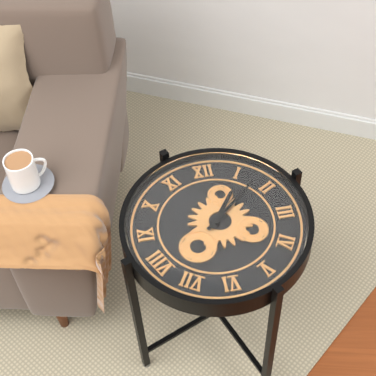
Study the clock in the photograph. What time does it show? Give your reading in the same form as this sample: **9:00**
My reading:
**1:08**
